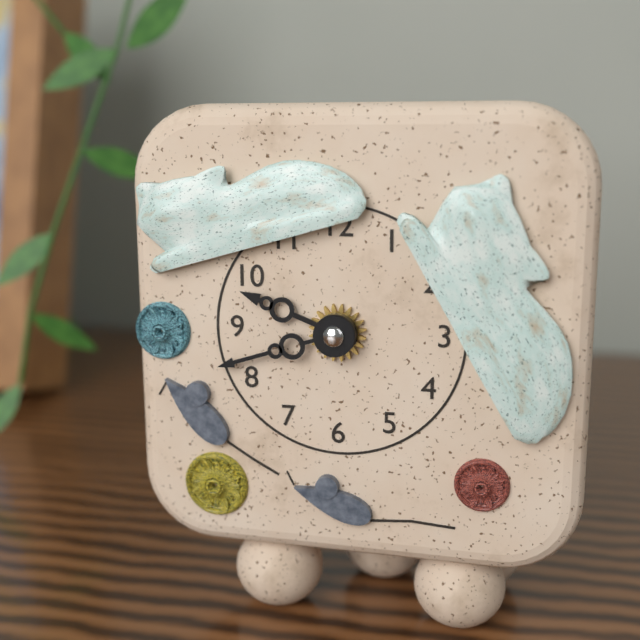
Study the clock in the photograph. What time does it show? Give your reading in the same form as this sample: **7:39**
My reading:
**9:42**
